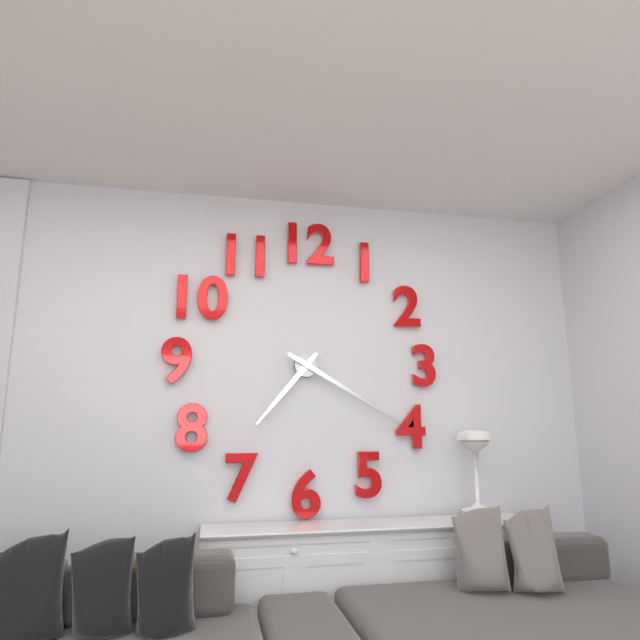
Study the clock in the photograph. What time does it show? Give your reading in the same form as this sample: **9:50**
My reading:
**7:20**
